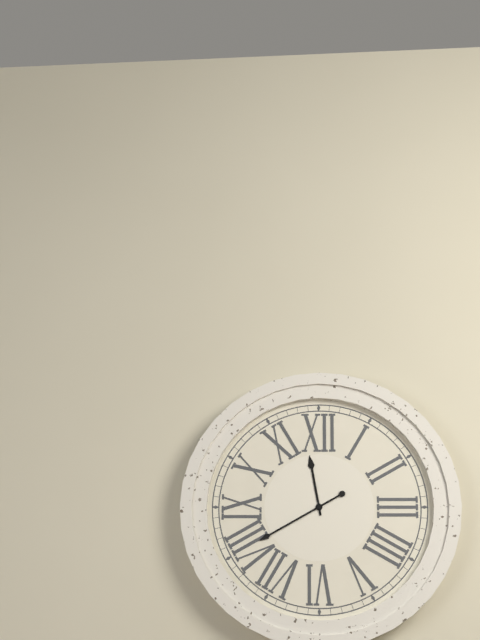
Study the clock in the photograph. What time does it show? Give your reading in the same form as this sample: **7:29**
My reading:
**11:40**
